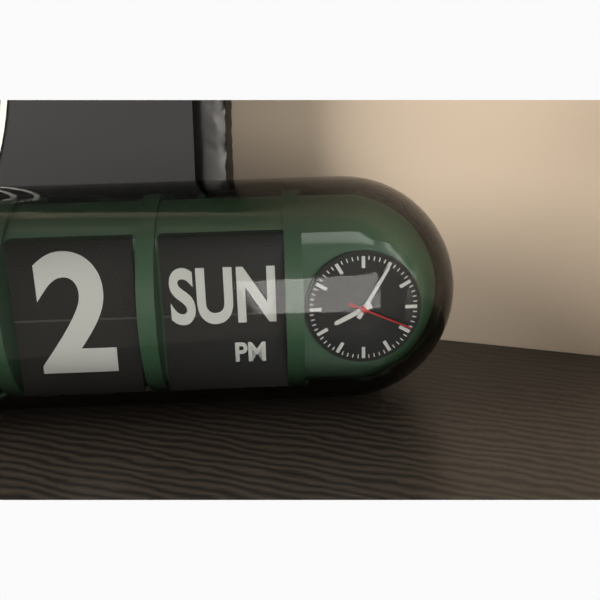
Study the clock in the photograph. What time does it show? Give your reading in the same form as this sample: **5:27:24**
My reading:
**8:05:19**
